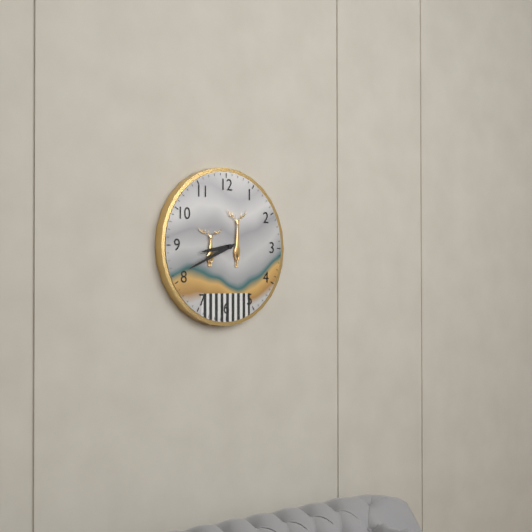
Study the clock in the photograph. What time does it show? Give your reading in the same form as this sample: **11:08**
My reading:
**8:41**
